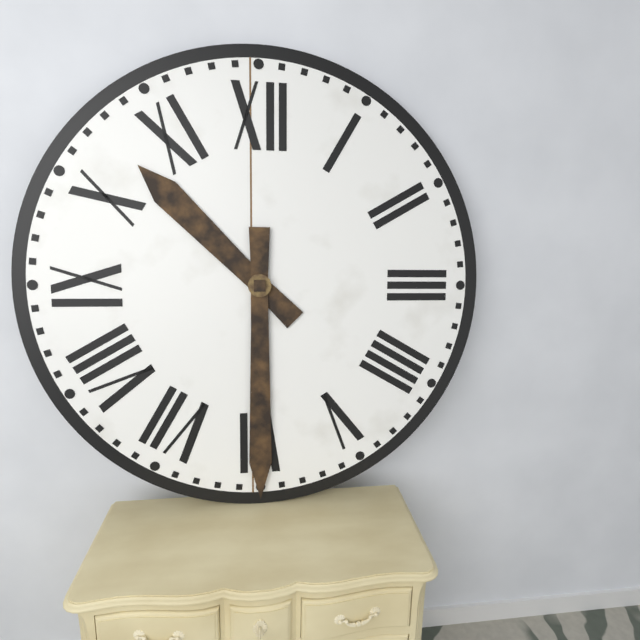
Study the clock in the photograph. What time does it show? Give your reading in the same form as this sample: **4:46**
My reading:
**10:30**
